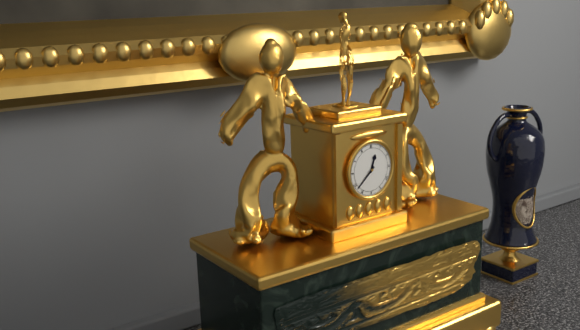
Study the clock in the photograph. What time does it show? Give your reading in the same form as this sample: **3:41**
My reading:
**12:38**
